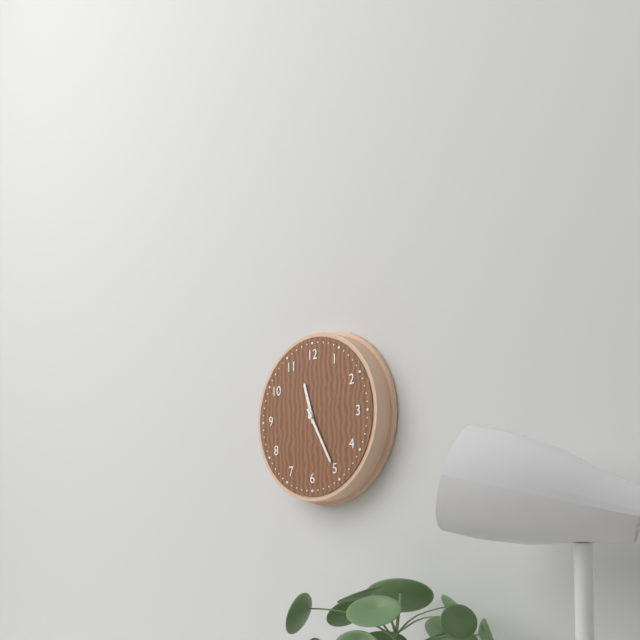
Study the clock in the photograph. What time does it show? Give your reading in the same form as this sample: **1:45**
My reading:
**11:25**
